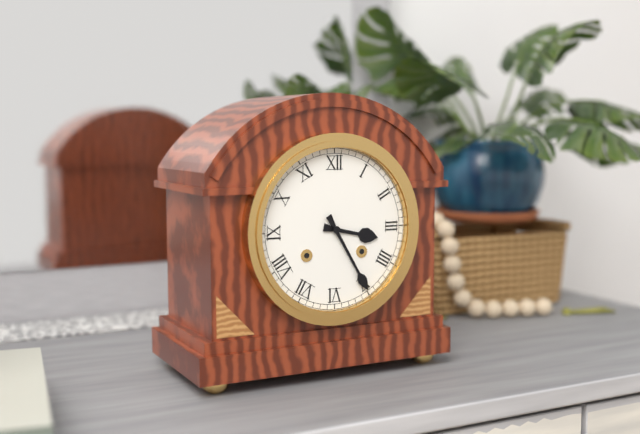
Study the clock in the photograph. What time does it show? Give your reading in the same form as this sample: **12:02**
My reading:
**3:25**
